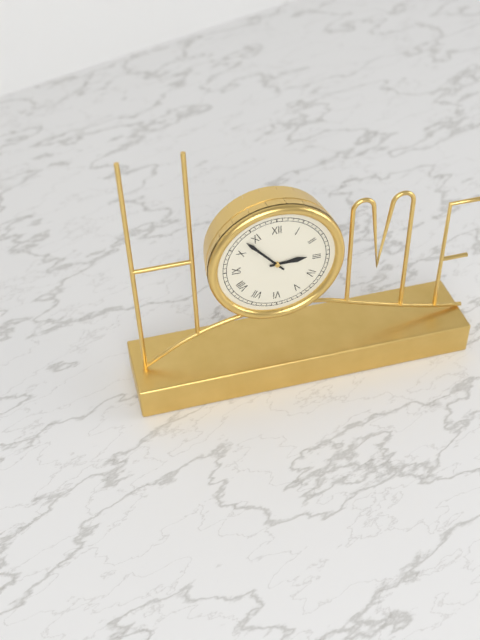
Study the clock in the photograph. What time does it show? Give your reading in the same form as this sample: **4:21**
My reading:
**2:53**
